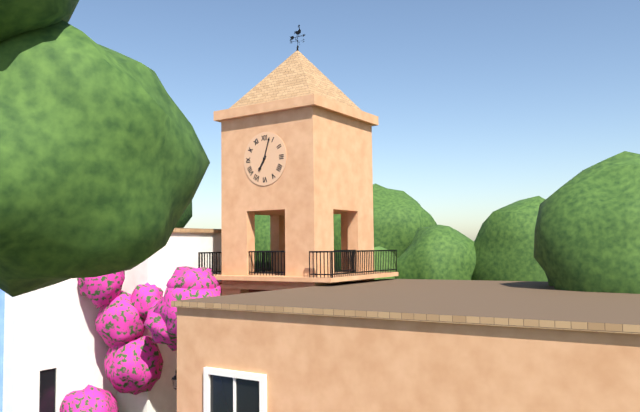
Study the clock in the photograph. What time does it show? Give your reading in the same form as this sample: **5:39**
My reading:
**7:03**
